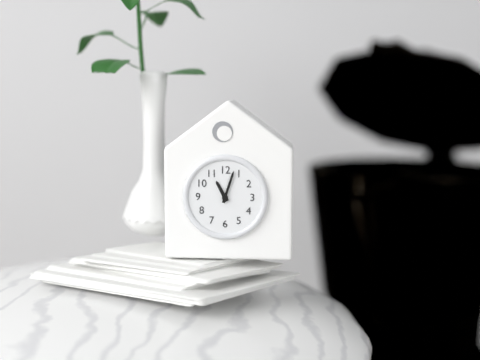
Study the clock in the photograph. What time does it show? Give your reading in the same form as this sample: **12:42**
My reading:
**11:03**
